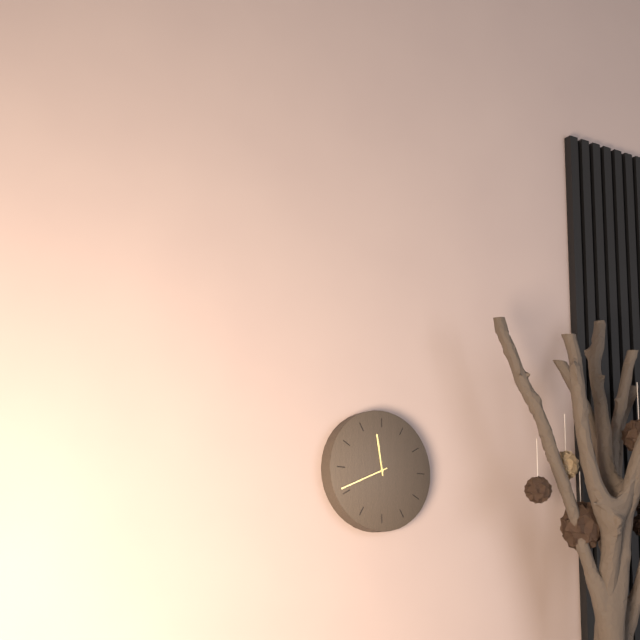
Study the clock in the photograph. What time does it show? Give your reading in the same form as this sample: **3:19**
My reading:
**11:41**
